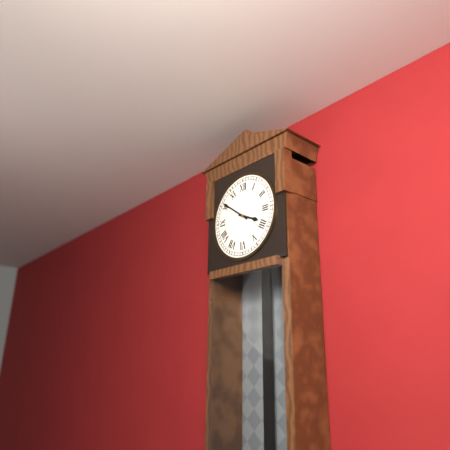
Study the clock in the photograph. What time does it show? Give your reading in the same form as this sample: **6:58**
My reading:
**3:51**
